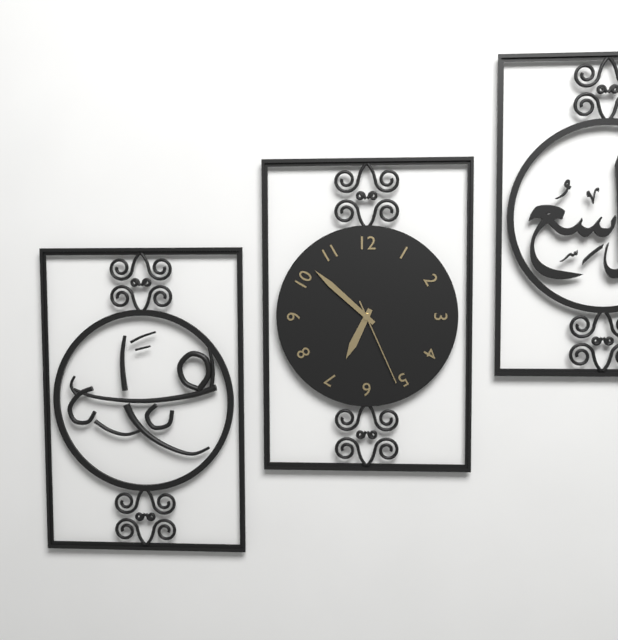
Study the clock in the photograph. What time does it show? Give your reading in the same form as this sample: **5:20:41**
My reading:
**6:52:26**
